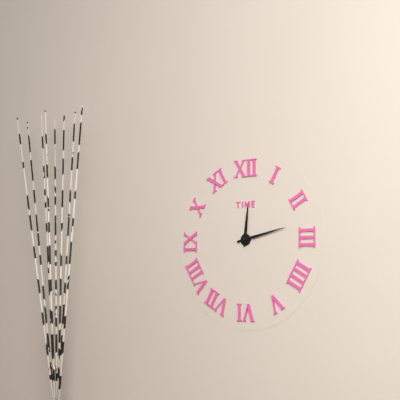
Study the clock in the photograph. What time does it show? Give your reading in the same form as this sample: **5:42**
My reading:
**12:13**
